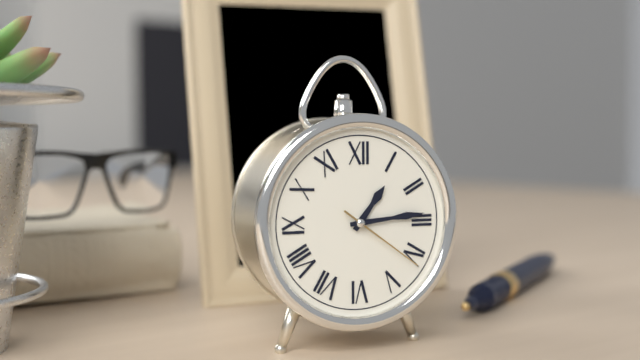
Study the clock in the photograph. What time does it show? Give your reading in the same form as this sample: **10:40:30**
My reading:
**1:14:21**
